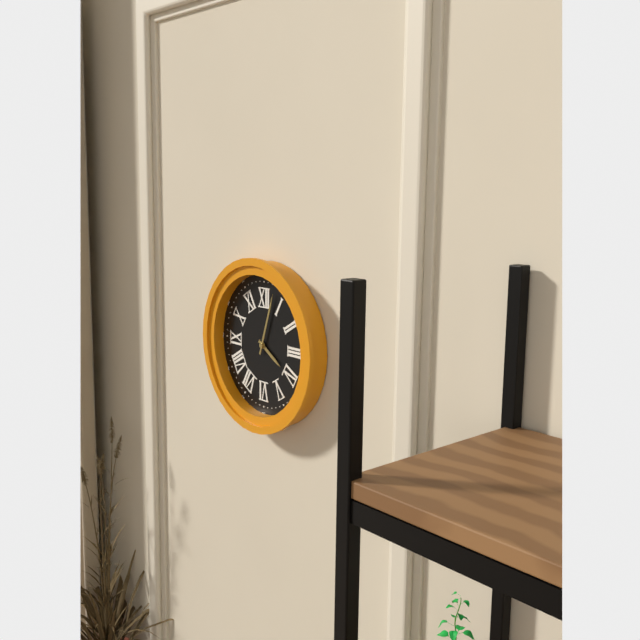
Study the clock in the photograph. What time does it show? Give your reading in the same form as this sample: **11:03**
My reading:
**4:03**
